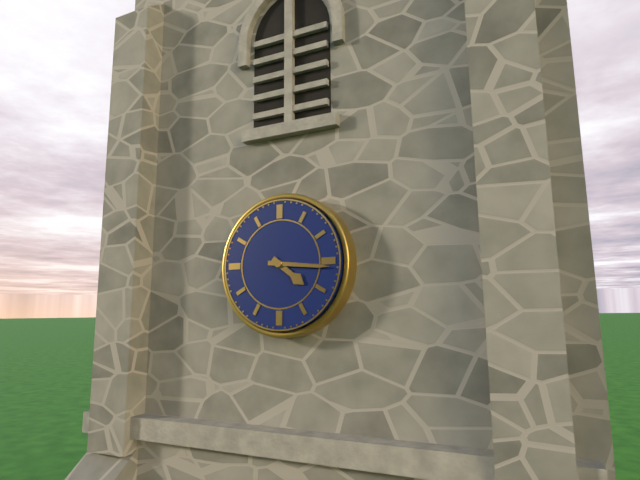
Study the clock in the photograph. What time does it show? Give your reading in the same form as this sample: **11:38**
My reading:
**4:16**
